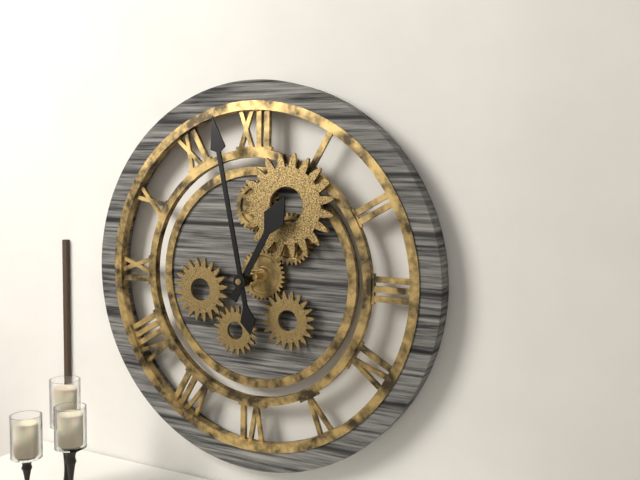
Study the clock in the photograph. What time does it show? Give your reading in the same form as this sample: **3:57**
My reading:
**12:58**
